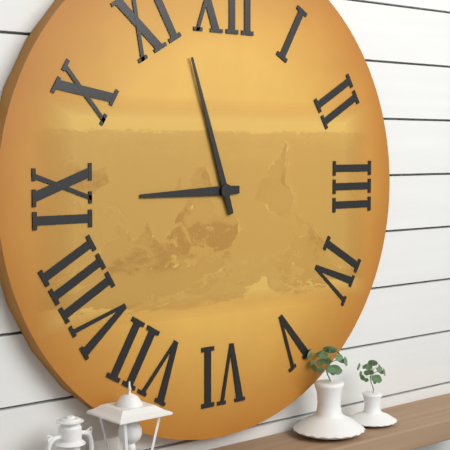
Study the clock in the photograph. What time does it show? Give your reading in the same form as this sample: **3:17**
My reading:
**8:57**
